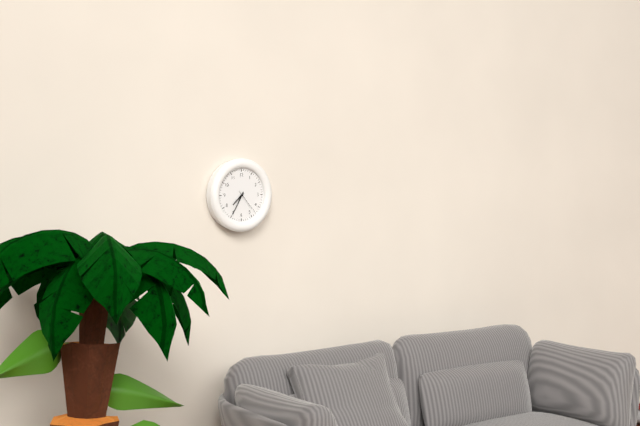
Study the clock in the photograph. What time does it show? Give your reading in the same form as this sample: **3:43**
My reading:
**7:35**
